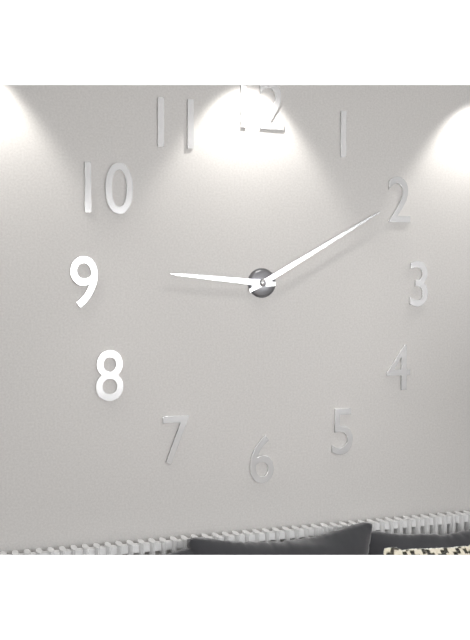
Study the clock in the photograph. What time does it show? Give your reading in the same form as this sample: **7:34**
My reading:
**9:10**
